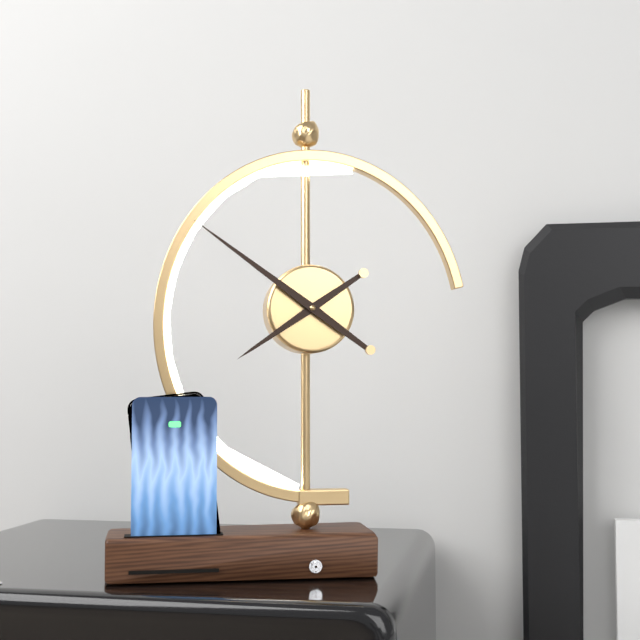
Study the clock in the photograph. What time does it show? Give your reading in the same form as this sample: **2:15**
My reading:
**7:51**
